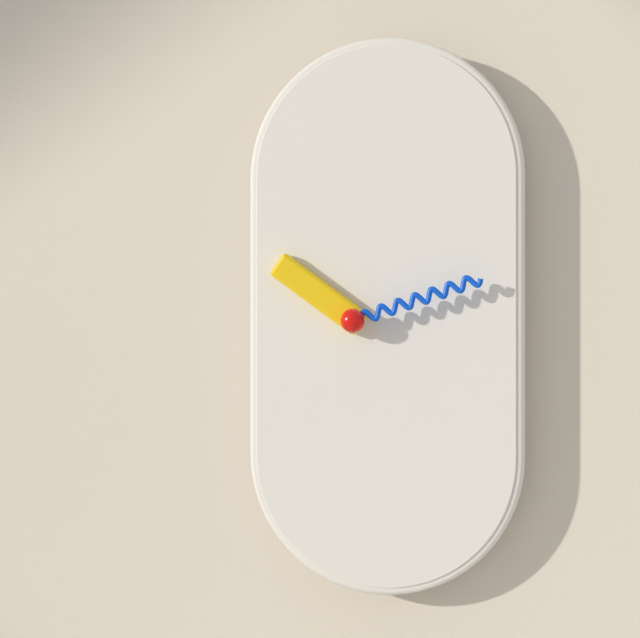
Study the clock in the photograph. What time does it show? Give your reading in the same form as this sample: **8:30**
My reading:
**10:12**
